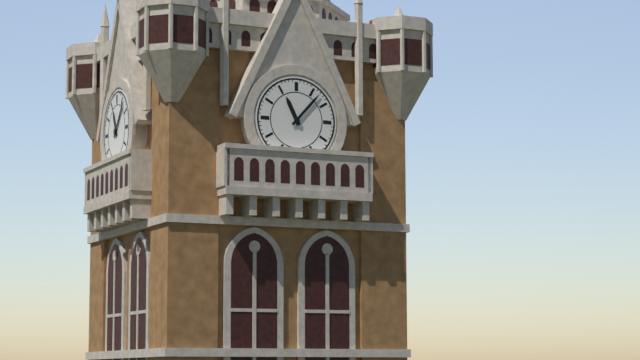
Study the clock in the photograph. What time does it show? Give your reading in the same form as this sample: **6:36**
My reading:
**11:07**
